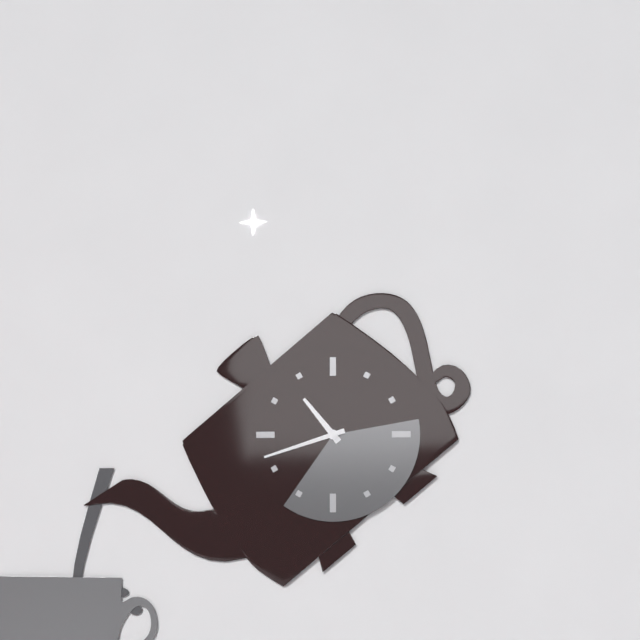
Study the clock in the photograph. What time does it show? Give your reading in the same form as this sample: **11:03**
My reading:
**10:42**
